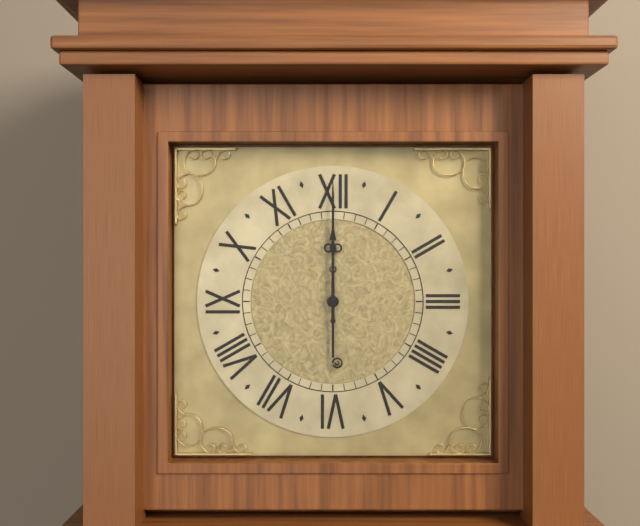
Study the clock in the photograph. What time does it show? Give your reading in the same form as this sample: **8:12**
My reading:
**12:00**
